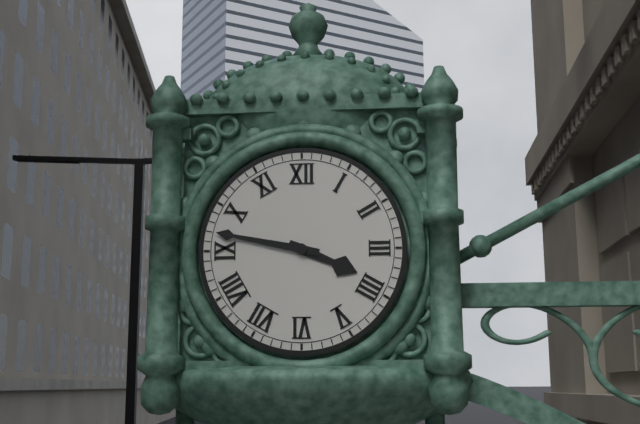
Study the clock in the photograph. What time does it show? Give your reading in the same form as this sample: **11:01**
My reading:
**3:47**
